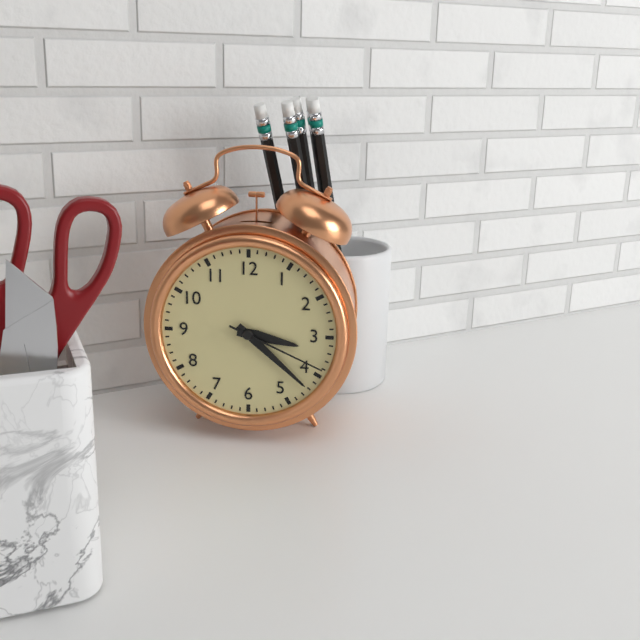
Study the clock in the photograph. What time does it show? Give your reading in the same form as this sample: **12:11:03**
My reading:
**3:22:19**
